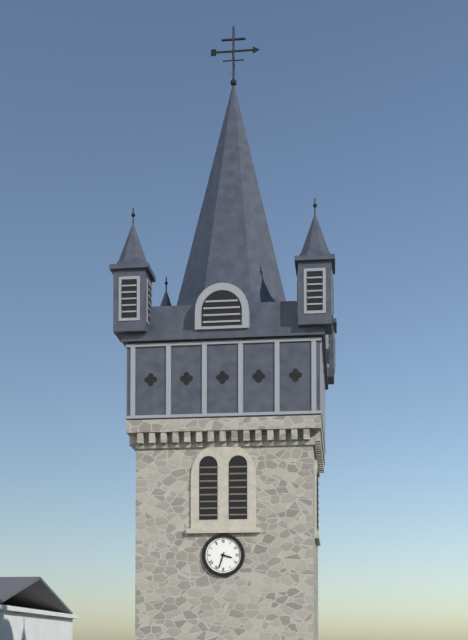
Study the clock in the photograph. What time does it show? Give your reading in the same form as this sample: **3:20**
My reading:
**3:33**
